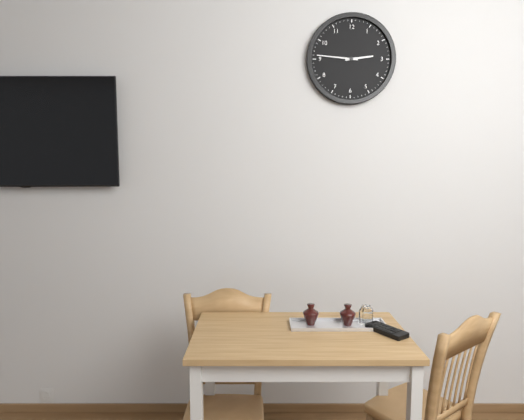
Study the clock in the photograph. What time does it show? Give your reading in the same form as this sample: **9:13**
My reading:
**2:46**
